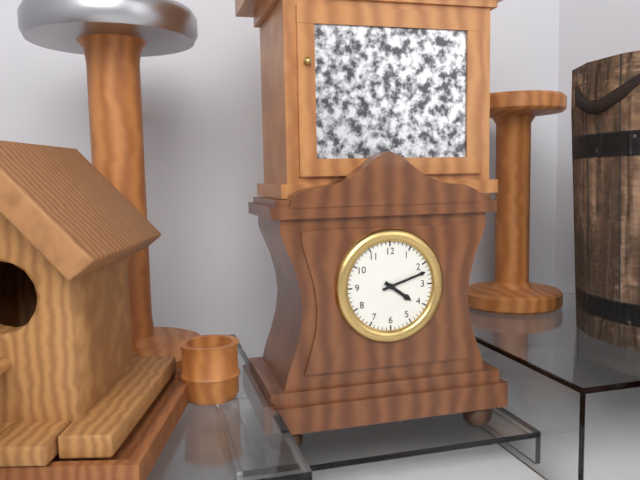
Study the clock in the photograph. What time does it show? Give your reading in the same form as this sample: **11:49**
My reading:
**4:12**
